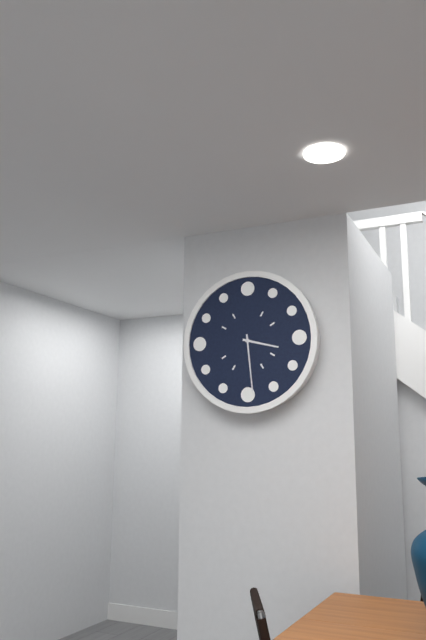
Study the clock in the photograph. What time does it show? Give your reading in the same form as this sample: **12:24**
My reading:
**3:29**
